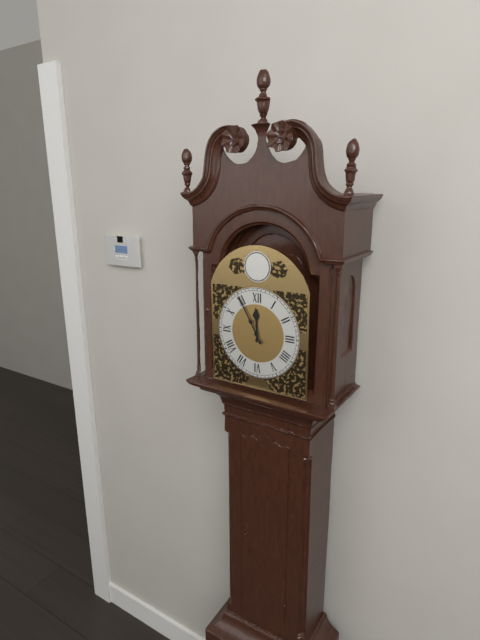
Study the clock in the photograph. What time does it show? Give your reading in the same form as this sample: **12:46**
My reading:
**11:55**
